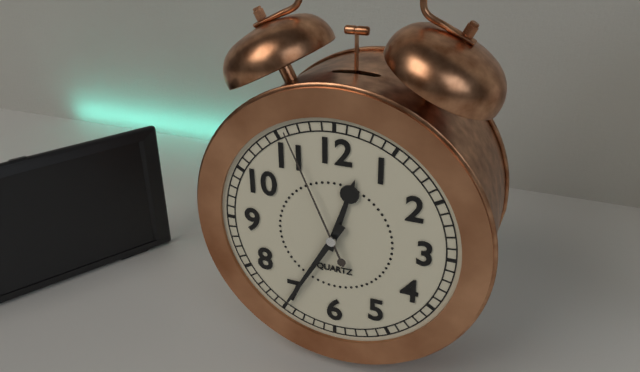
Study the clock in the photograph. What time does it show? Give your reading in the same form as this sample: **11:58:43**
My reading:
**12:35:56**
